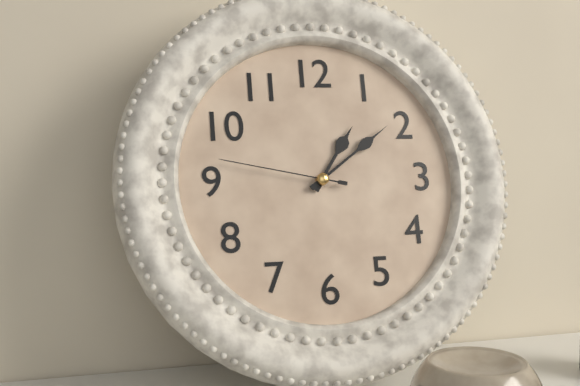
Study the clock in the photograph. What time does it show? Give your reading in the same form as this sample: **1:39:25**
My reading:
**1:09:47**
